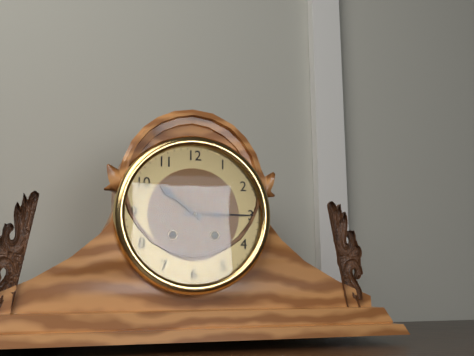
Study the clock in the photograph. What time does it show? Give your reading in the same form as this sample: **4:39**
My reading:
**10:15**
